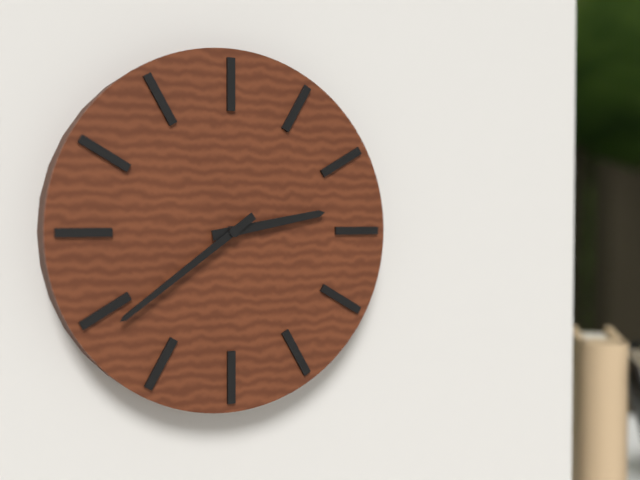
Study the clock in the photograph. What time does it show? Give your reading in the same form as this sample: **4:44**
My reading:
**2:39**
